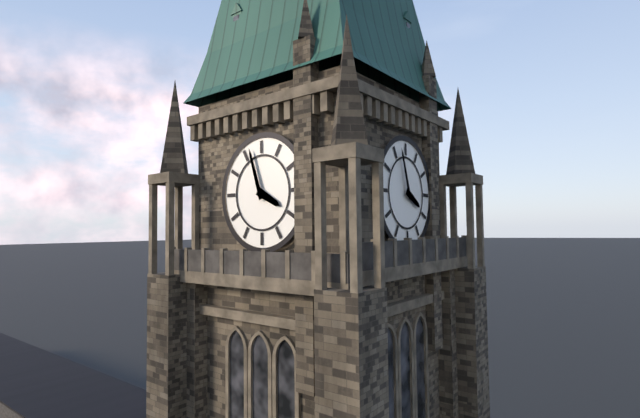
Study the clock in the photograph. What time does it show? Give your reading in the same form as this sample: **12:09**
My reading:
**3:57**
